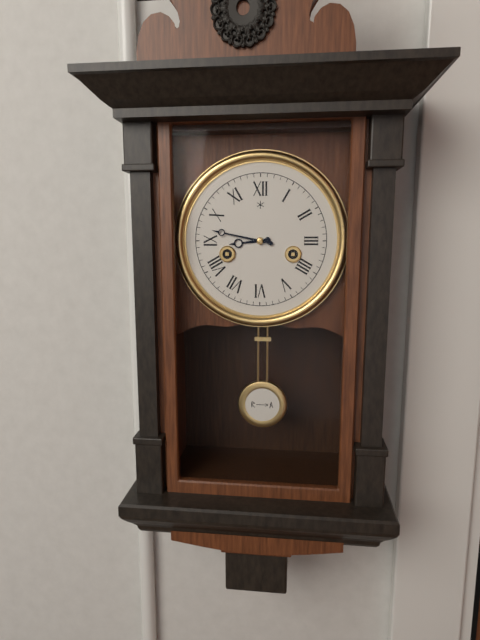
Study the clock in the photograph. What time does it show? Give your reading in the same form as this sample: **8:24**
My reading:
**8:47**
